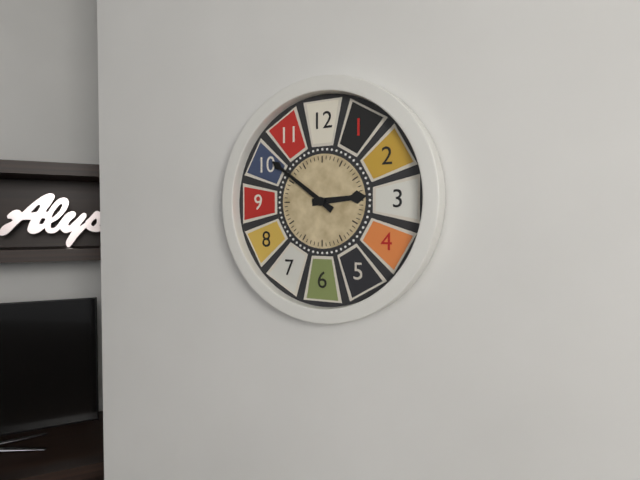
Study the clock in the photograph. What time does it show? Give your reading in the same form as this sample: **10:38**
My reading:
**2:51**
